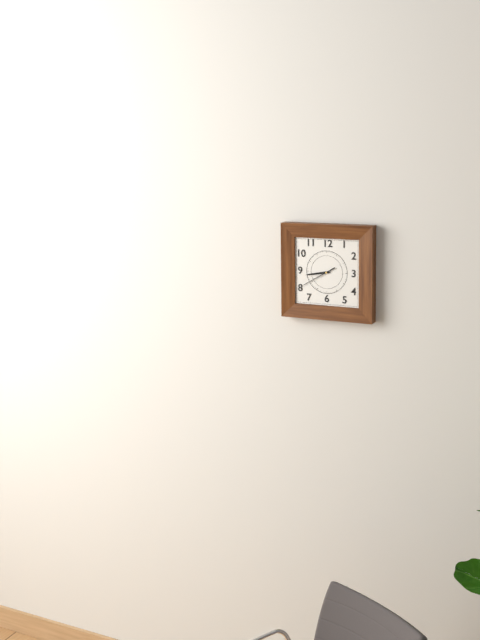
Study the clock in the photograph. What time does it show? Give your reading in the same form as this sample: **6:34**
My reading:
**8:40**
